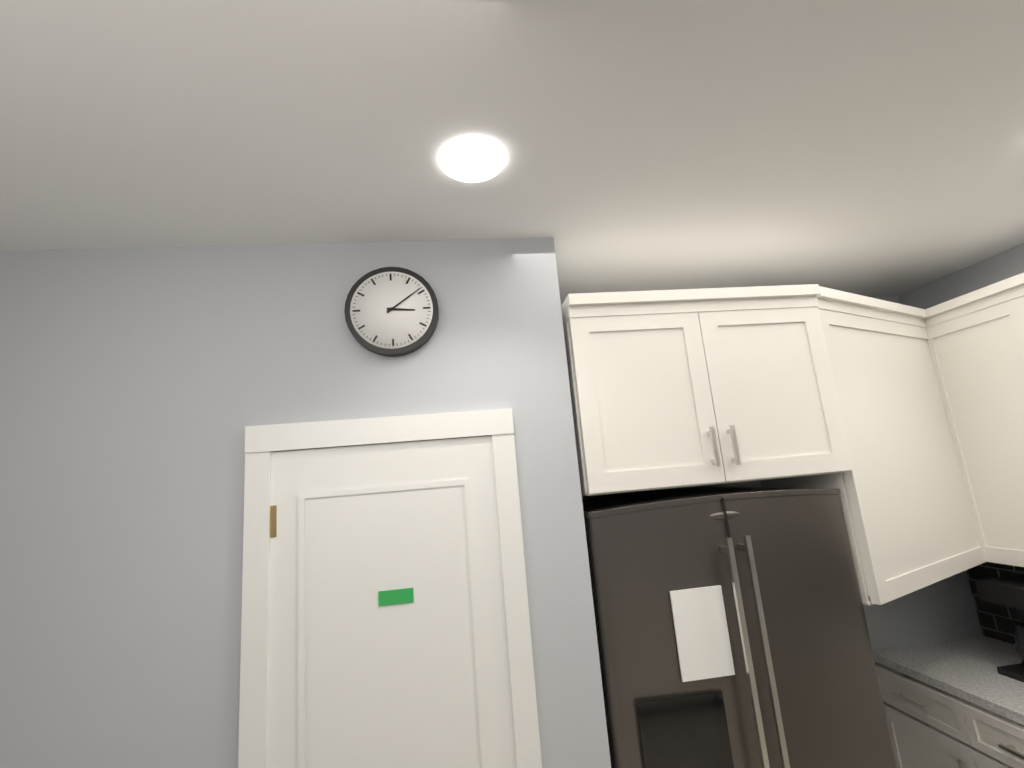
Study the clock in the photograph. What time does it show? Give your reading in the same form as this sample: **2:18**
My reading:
**3:09**
